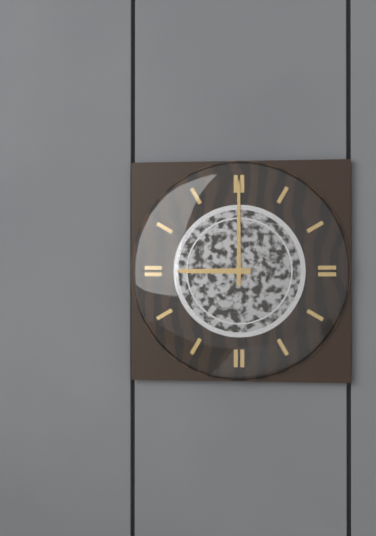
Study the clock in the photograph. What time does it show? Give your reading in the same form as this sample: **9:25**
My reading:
**9:00**
